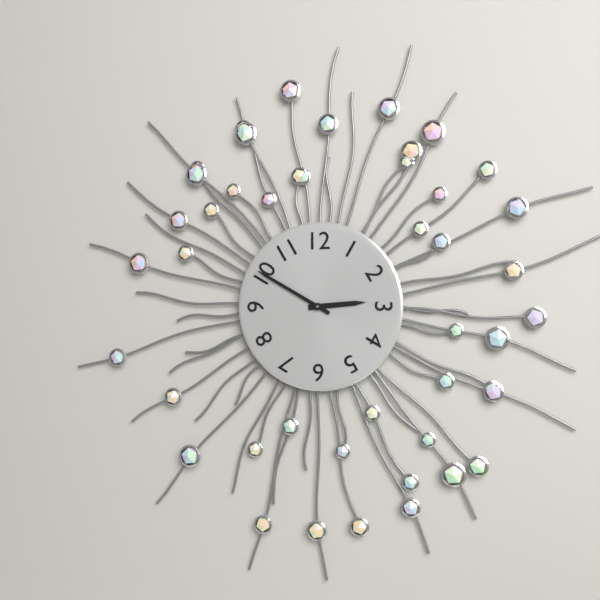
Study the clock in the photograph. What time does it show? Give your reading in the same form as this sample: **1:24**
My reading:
**2:50**
